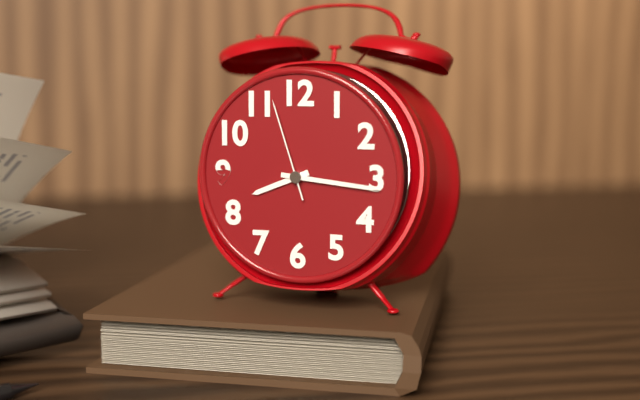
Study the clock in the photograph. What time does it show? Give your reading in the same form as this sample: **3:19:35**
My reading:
**8:16:57**
